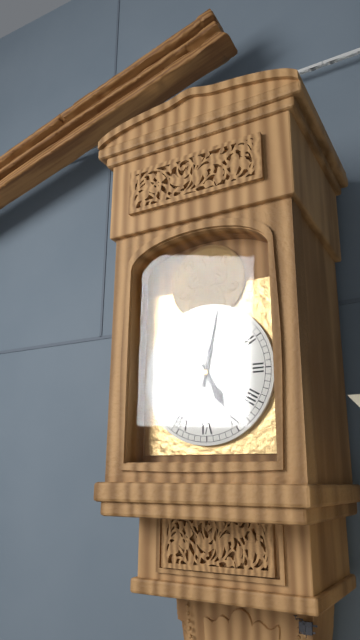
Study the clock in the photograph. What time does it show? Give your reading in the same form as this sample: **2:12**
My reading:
**5:02**
